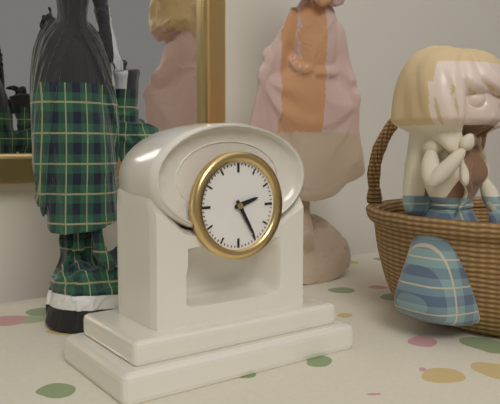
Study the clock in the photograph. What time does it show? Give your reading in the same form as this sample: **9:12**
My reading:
**2:25**
